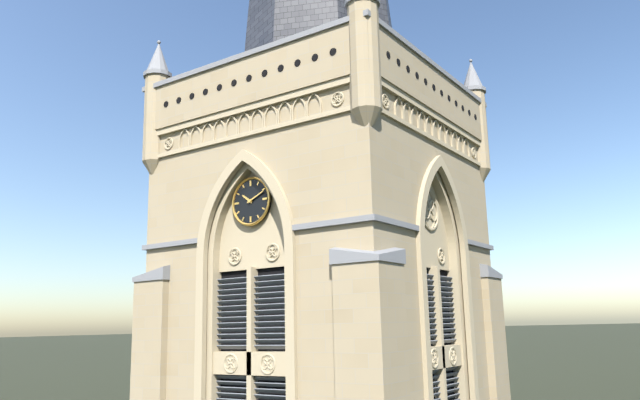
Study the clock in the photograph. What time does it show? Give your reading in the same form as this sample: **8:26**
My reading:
**10:11**
